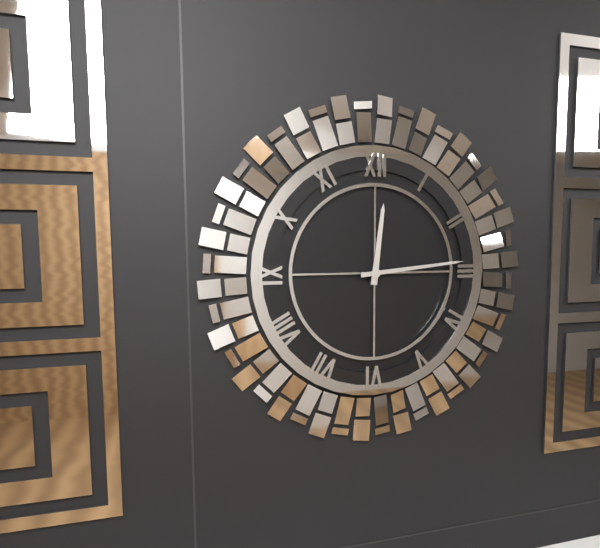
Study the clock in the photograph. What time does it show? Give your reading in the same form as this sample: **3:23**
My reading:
**12:14**
